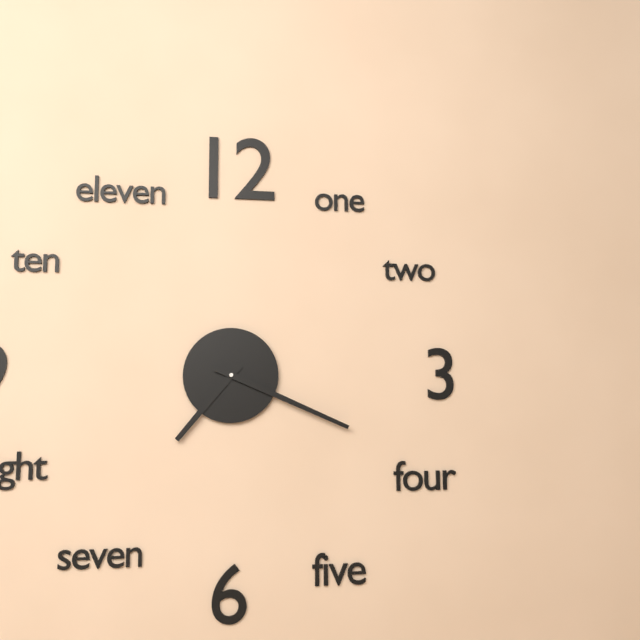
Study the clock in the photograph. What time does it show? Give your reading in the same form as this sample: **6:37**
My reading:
**7:19**
